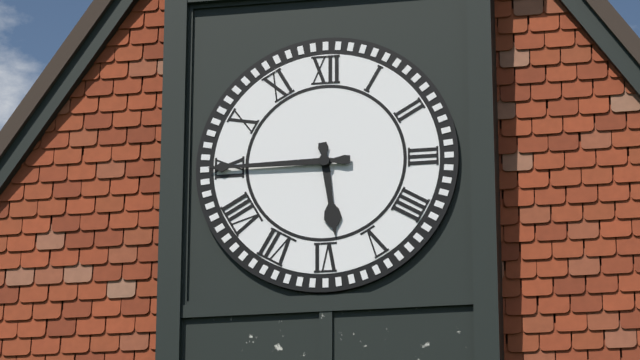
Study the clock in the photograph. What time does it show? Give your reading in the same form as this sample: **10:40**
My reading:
**5:45**
